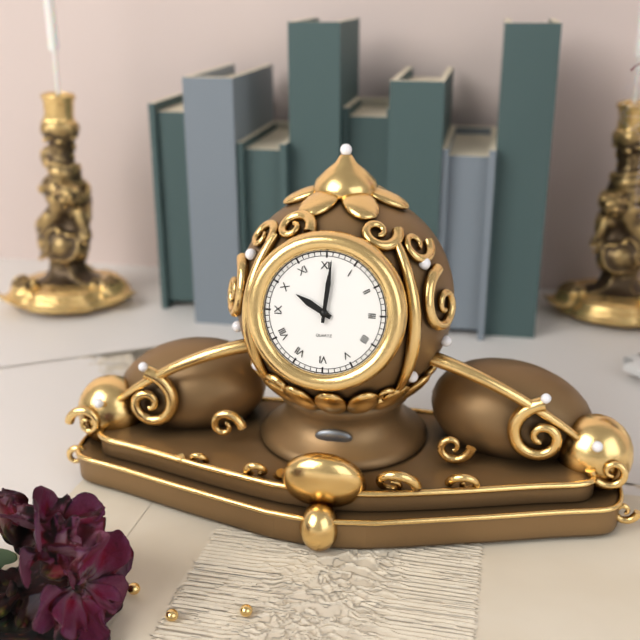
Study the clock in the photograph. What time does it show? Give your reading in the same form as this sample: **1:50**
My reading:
**10:01**
